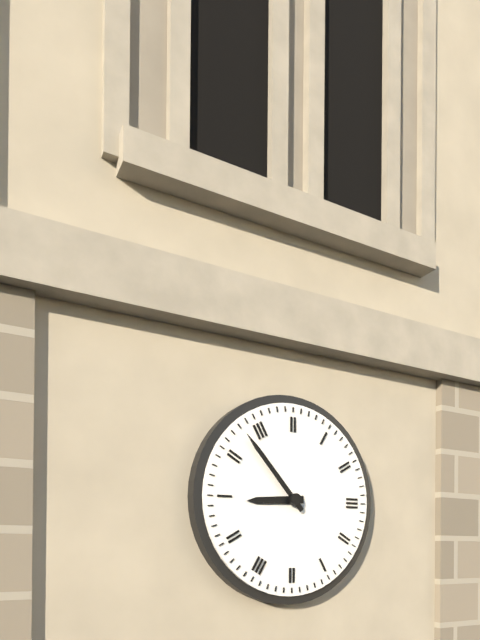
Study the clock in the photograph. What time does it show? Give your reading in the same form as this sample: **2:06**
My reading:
**8:53**
